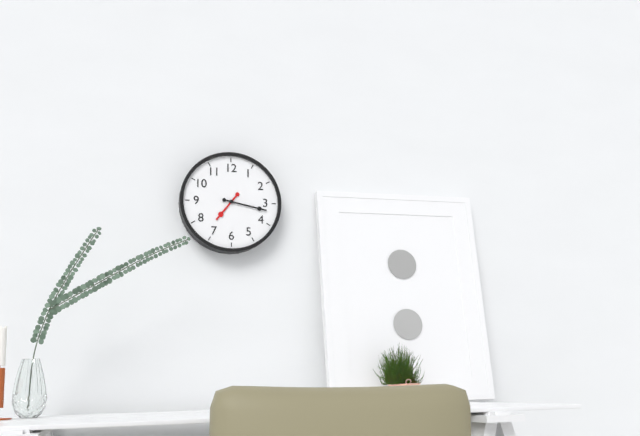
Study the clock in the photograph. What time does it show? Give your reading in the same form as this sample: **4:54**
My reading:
**7:17**
